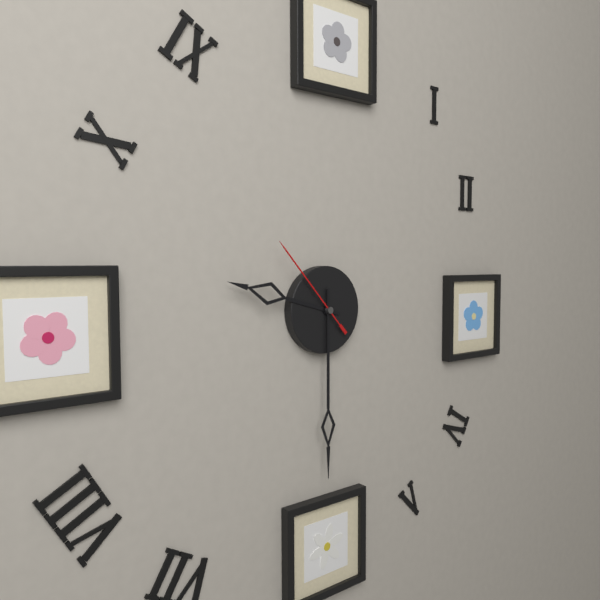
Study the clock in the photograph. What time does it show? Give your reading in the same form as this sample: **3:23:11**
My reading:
**9:30:53**
